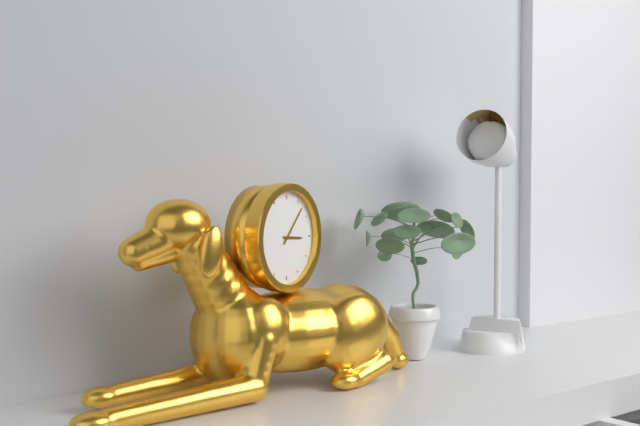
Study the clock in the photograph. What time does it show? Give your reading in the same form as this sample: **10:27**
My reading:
**3:07**
